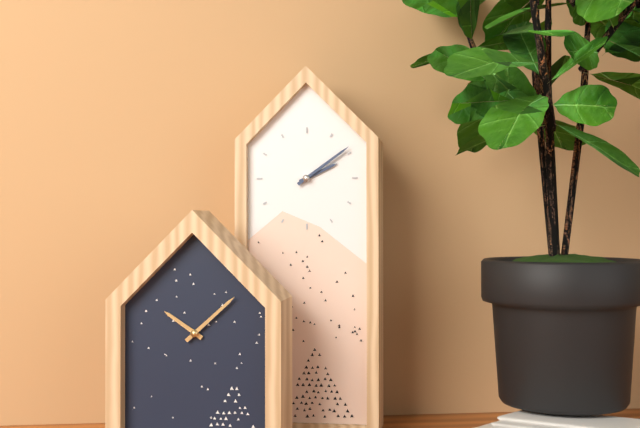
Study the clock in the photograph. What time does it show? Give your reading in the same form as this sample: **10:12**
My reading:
**2:09**
